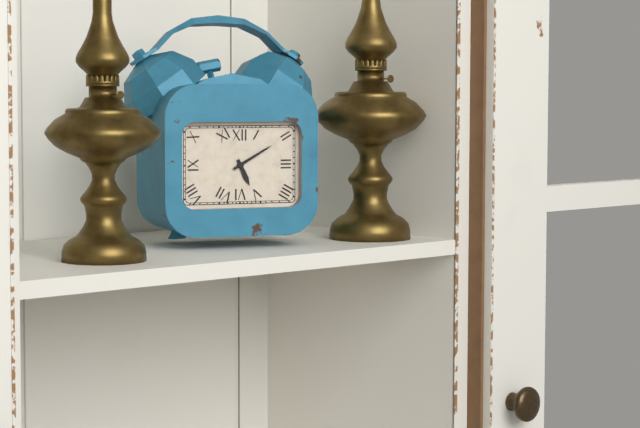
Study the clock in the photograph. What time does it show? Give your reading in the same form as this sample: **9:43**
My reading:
**5:10**
